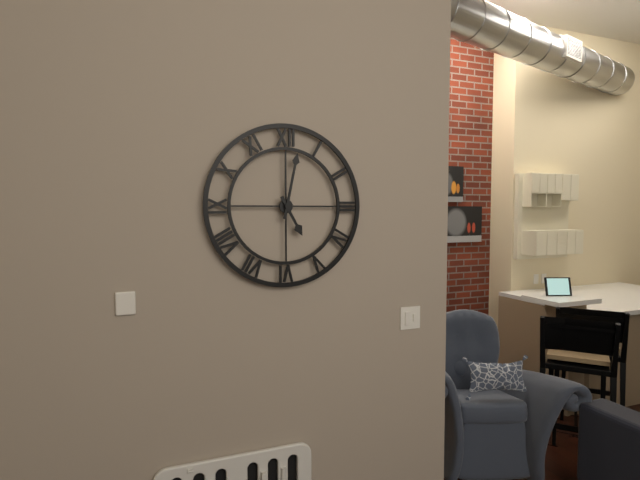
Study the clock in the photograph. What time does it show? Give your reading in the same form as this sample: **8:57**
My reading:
**5:02**
